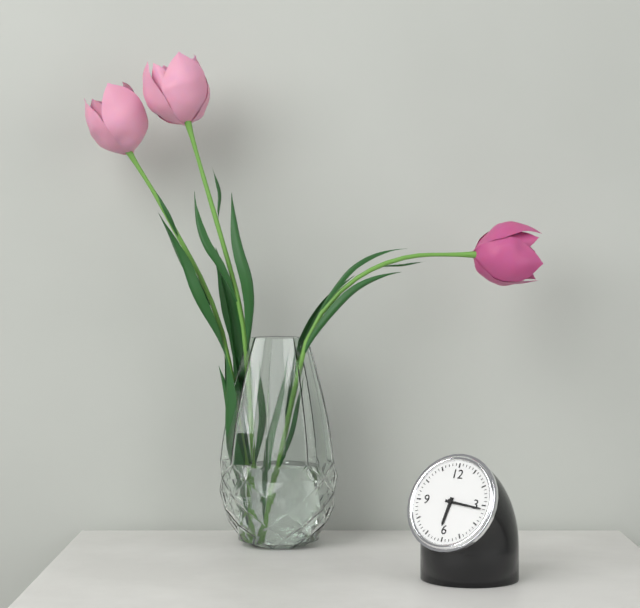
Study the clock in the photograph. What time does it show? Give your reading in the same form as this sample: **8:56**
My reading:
**6:16**
